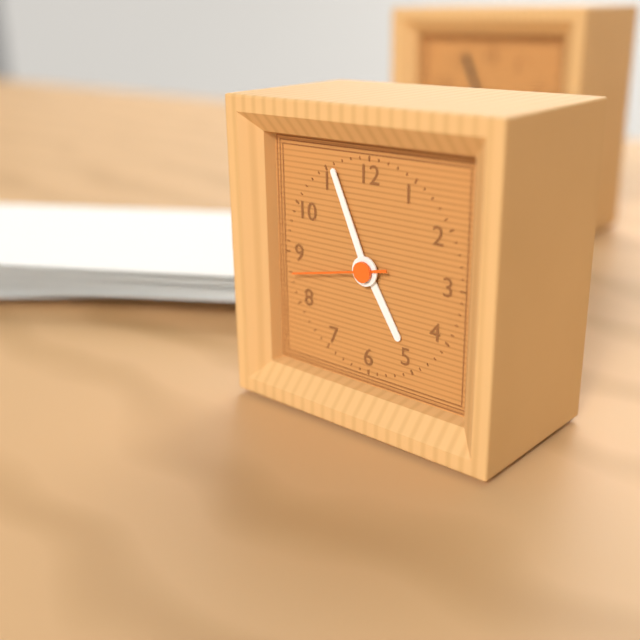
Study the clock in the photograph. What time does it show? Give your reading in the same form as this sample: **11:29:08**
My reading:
**4:56:43**
